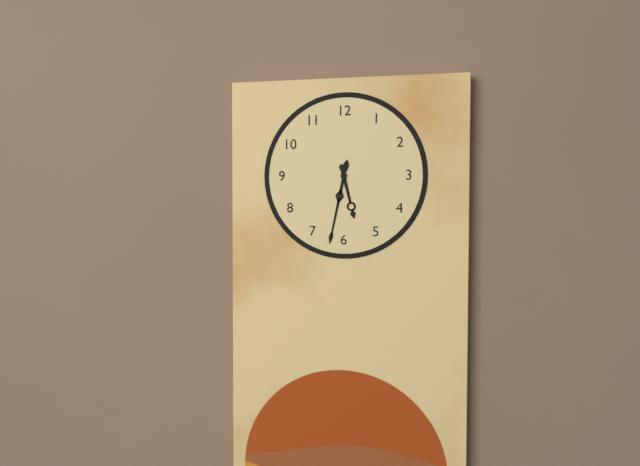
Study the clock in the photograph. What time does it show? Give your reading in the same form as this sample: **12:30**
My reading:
**5:32**
